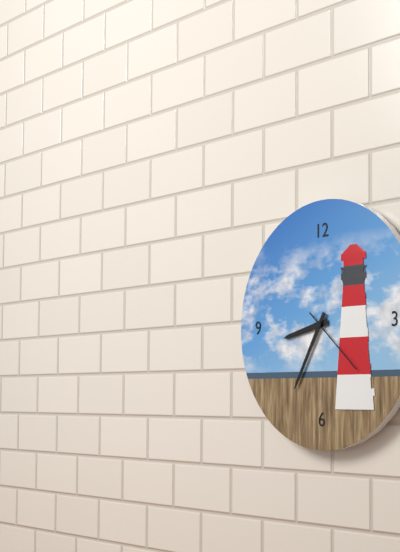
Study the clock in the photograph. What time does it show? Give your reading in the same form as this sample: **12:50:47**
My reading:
**8:35:22**
